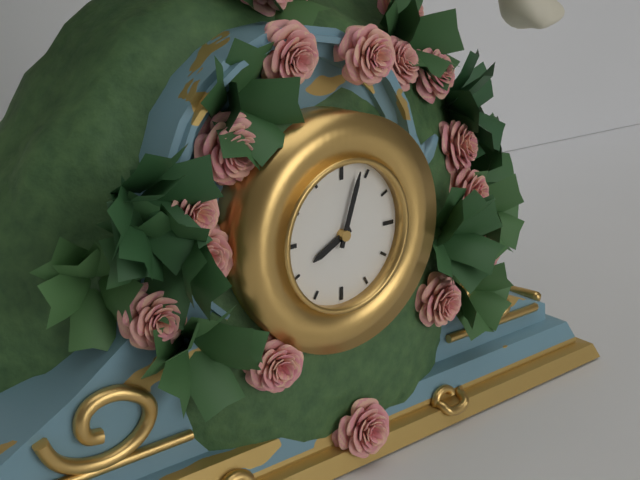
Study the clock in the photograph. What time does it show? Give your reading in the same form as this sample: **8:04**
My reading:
**8:03**
